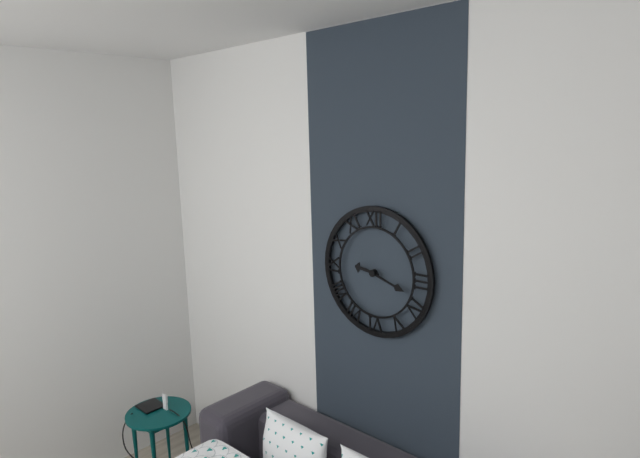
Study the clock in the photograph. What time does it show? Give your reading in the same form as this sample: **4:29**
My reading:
**9:18**
